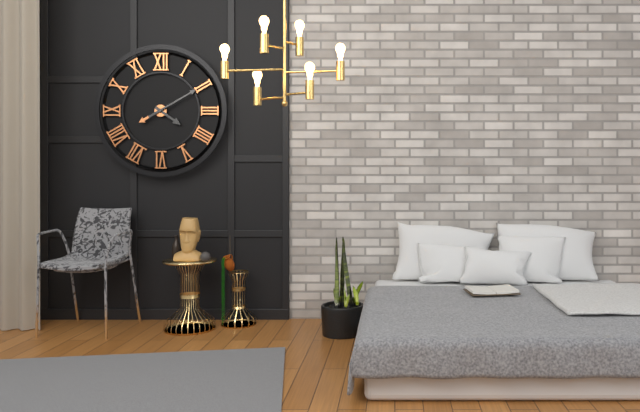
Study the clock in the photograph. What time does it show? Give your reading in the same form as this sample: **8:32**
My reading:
**4:10**
